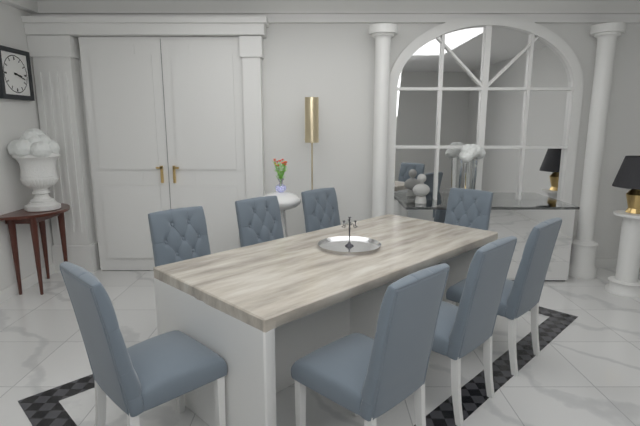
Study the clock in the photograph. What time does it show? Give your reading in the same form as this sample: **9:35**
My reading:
**3:18**
